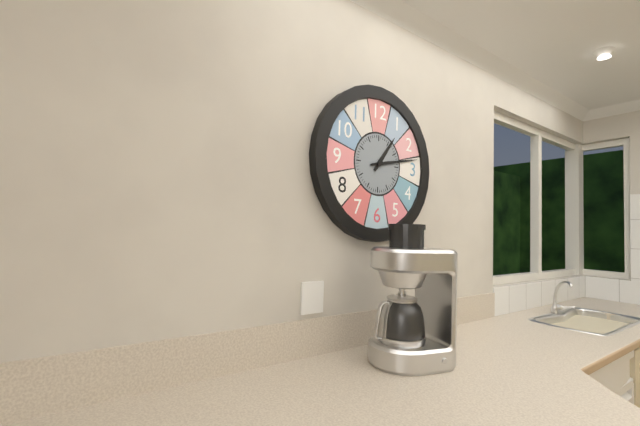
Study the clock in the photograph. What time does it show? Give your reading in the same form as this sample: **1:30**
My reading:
**1:13**
